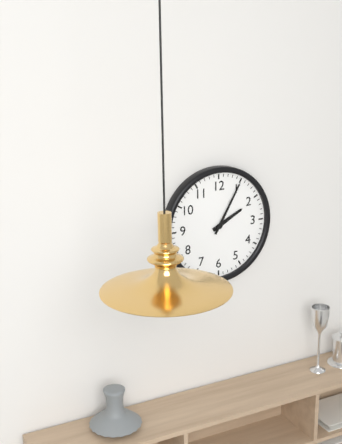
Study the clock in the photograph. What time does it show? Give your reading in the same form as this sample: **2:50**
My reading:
**2:05**
